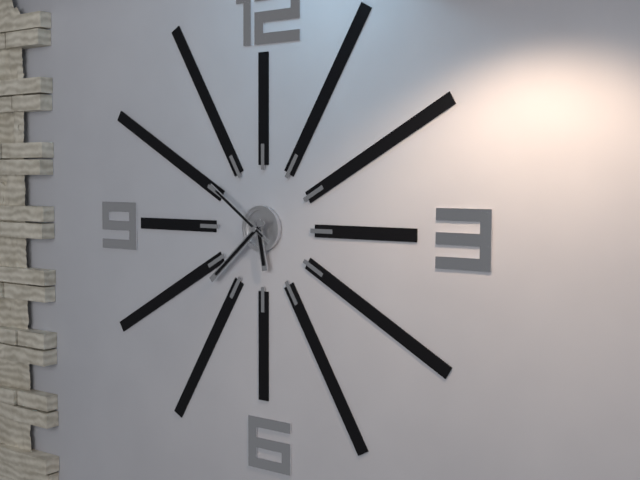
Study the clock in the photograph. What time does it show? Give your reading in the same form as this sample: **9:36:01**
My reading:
**5:38:51**
